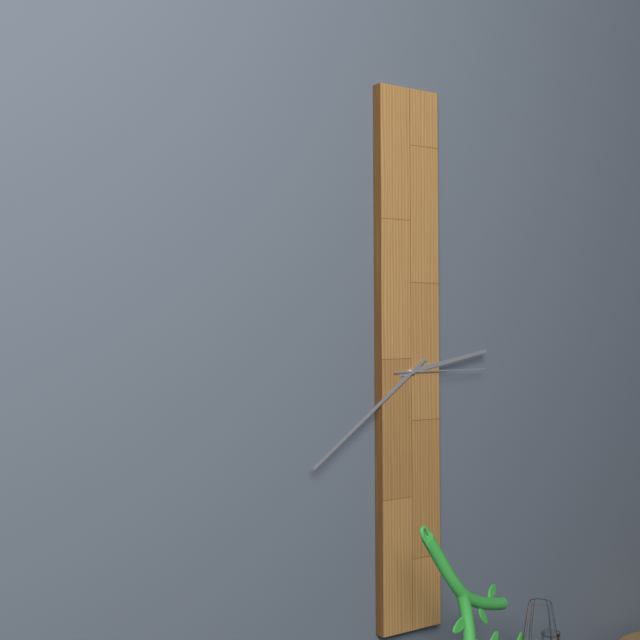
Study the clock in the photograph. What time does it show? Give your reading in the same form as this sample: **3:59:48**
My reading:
**2:39:15**
